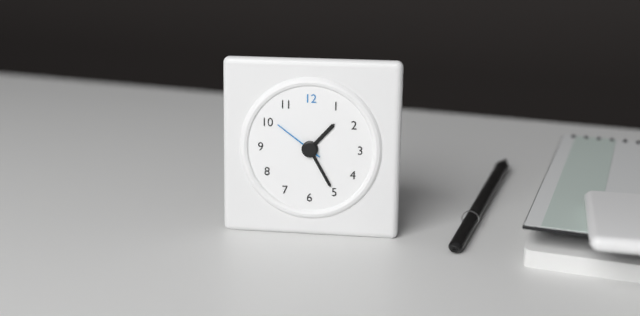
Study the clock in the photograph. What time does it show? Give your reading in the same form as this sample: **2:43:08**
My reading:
**1:25:51**
